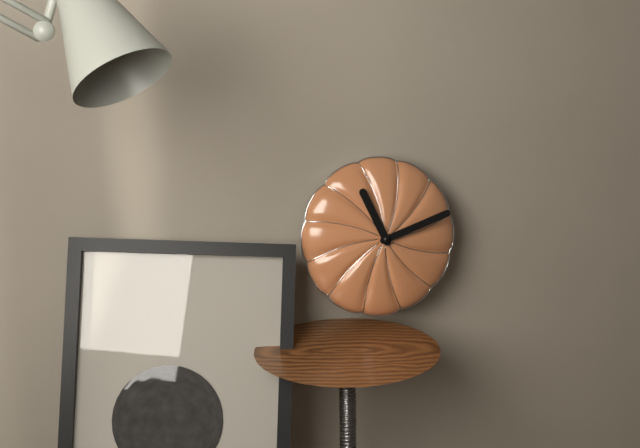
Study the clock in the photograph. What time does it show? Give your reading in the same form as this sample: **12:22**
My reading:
**11:12**
